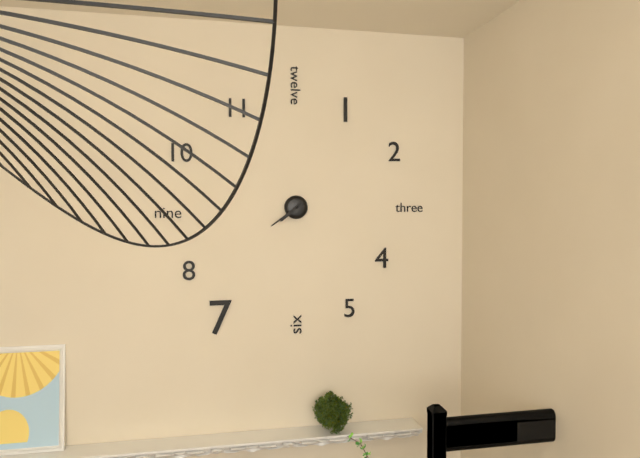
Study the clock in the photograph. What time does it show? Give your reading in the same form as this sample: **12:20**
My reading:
**7:39**
